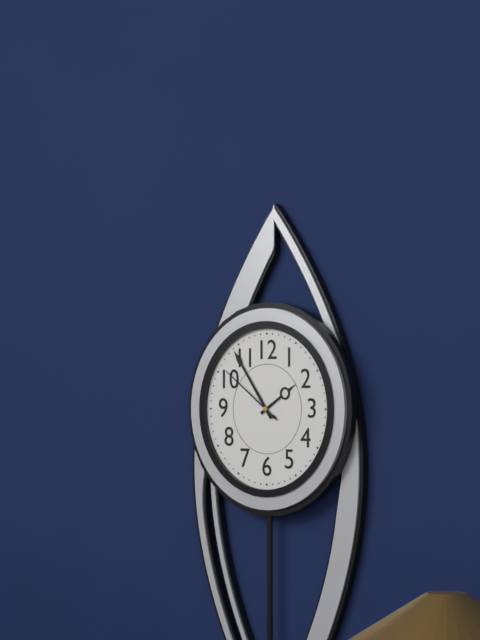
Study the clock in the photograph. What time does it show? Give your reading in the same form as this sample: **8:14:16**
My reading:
**1:54:51**
